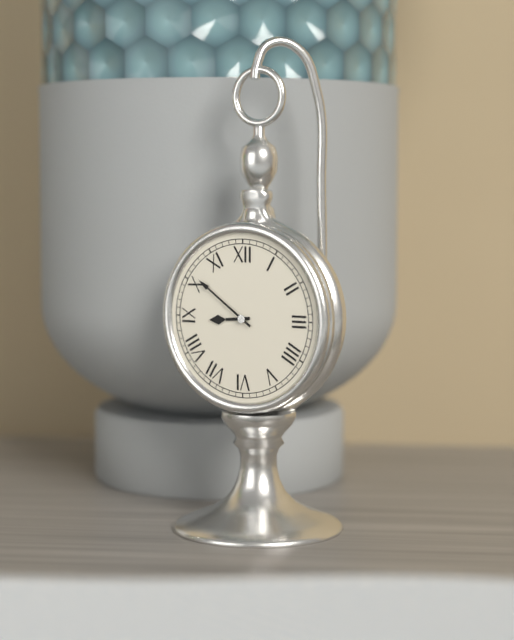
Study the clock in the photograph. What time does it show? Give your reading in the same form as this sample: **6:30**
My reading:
**8:51**
